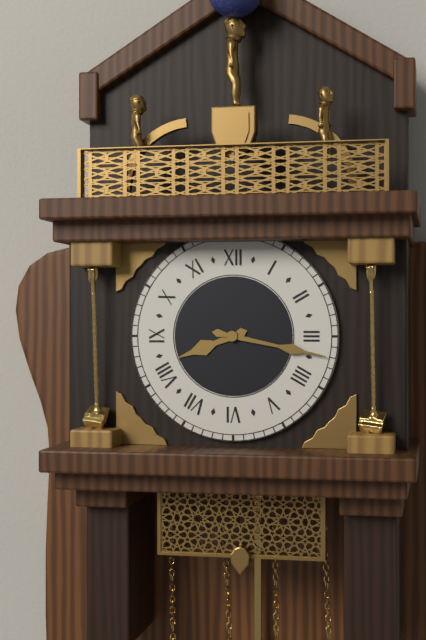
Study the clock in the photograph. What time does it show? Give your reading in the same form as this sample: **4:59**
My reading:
**8:17**
